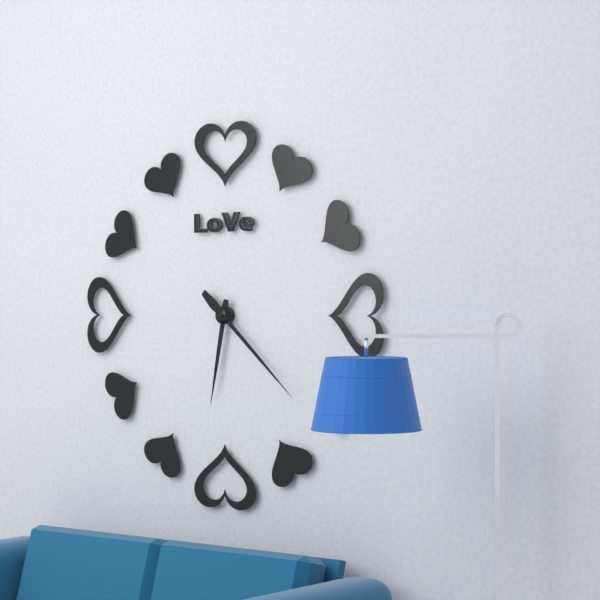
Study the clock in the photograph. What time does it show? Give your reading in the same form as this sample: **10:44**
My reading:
**6:22**
